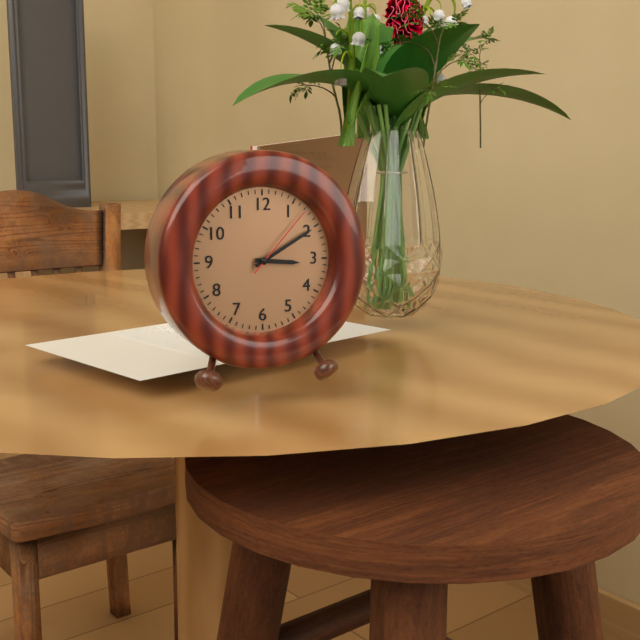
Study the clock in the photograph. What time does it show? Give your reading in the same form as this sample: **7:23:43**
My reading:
**3:10:07**
